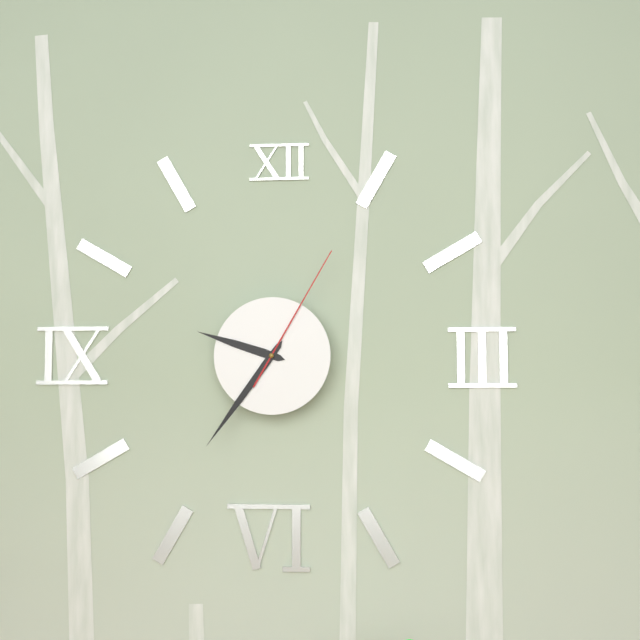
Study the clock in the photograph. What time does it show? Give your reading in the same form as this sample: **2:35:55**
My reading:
**9:36:05**
